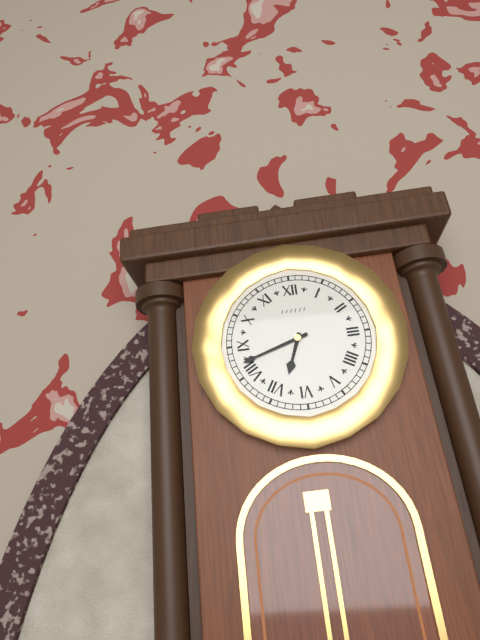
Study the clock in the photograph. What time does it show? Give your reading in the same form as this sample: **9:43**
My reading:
**6:42**
